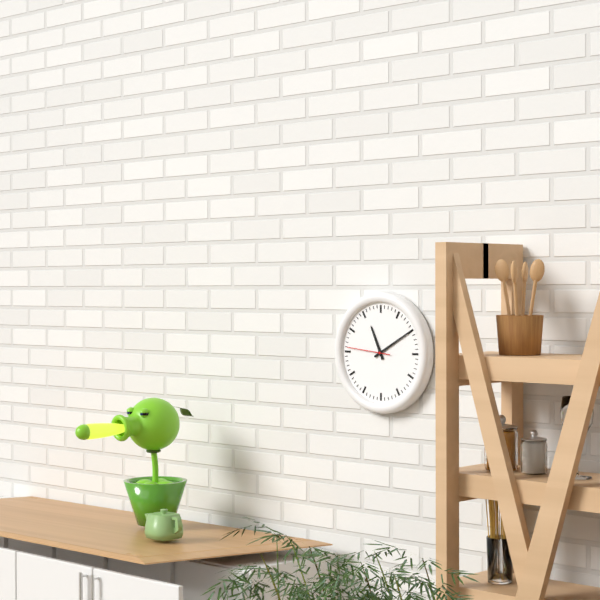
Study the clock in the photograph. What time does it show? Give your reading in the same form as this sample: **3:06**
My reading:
**11:10**
